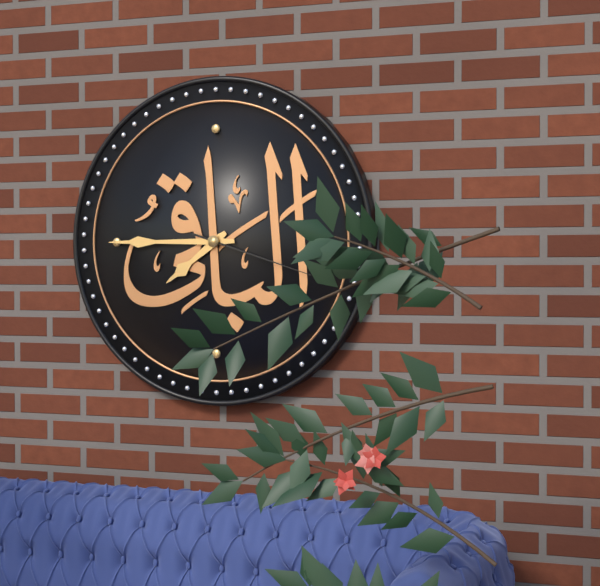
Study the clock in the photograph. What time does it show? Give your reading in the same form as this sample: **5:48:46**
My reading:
**7:45:18**
